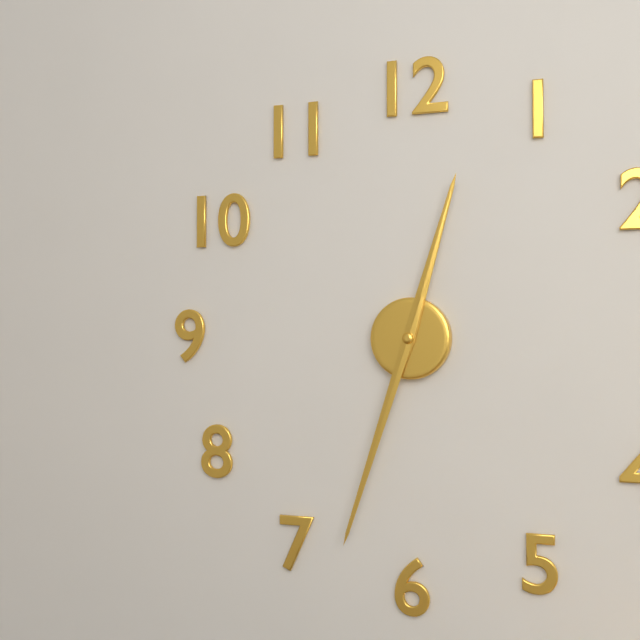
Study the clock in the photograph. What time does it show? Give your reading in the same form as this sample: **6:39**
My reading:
**12:33**
